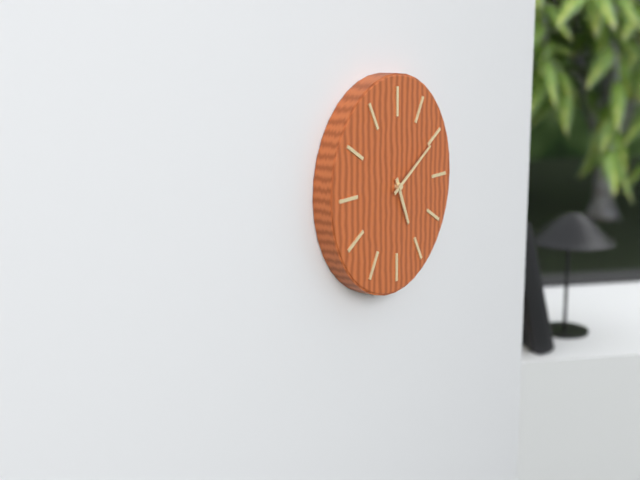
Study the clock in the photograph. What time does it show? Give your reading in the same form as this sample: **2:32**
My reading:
**5:10**
